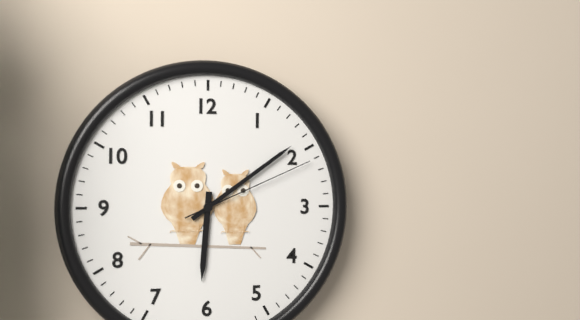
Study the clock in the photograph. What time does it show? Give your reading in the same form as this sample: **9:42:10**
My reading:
**6:09:11**
